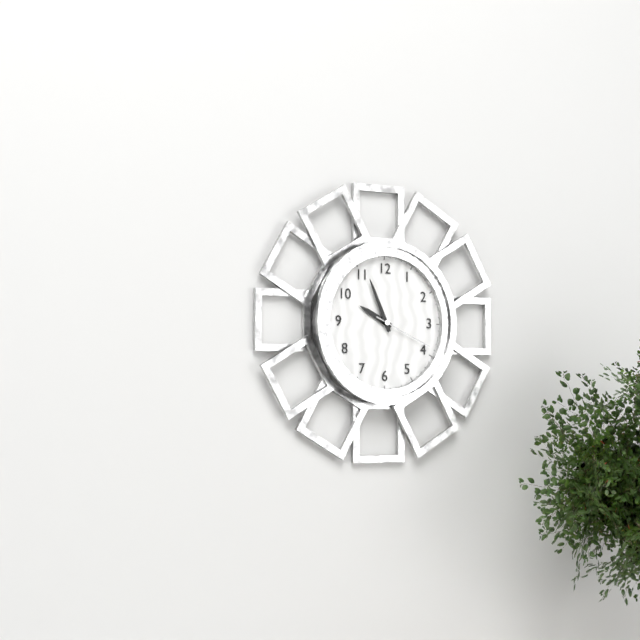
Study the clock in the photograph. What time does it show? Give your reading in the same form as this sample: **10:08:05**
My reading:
**9:56:19**
